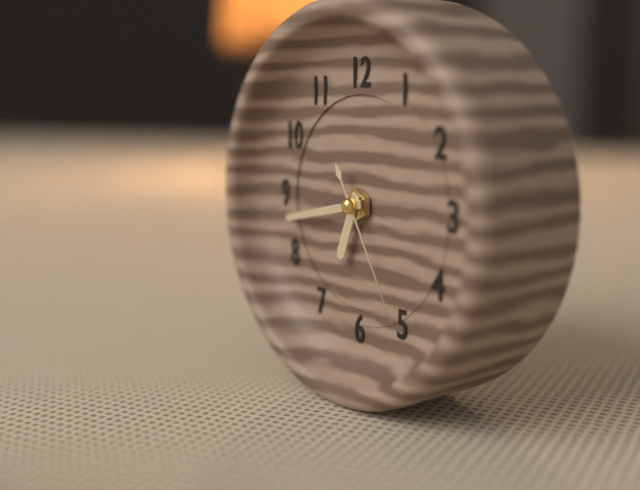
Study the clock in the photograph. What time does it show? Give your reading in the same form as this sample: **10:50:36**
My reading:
**6:43:25**
